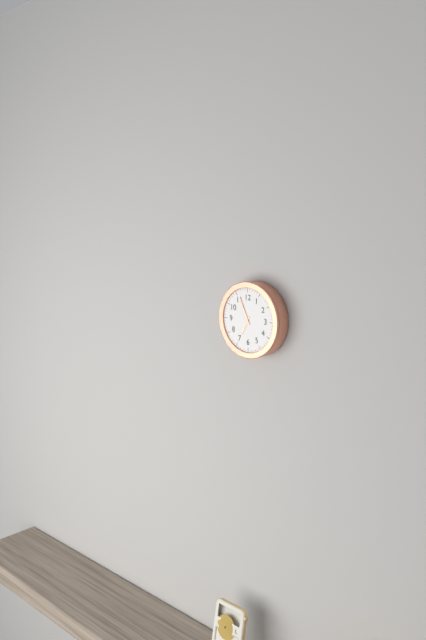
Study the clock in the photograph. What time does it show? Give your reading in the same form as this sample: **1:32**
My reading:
**6:56**
